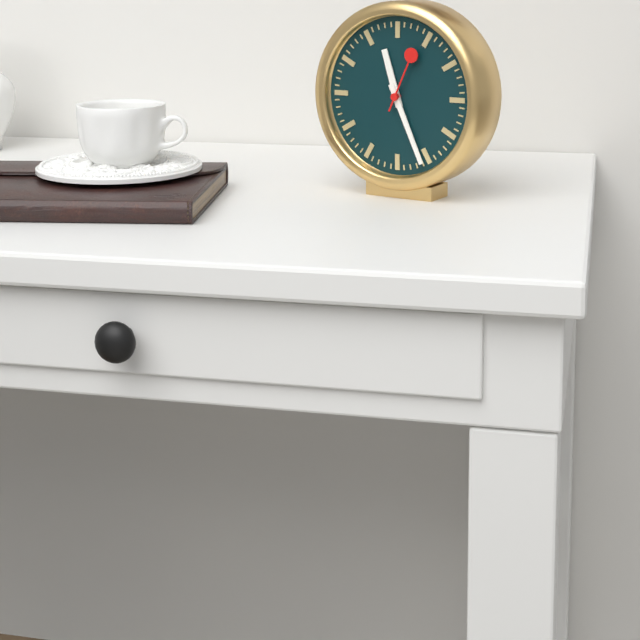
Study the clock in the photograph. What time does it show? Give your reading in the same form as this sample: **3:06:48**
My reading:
**11:26:04**
